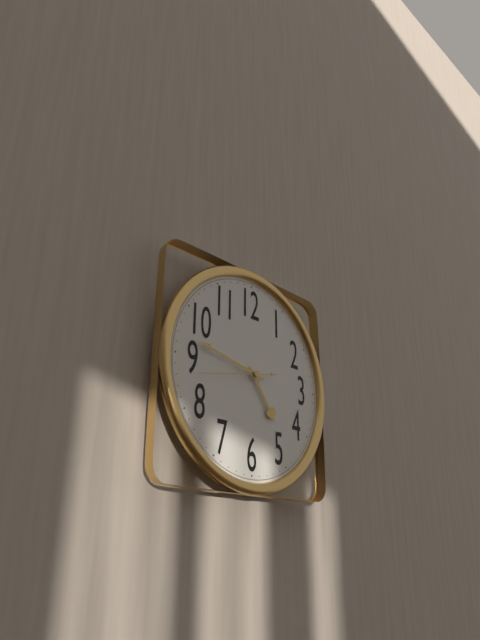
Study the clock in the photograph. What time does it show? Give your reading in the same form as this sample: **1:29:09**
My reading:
**4:47:43**
